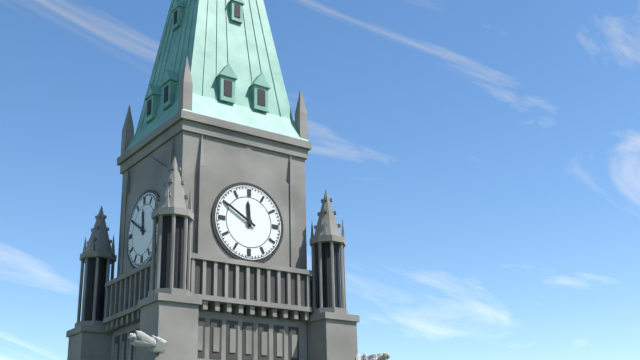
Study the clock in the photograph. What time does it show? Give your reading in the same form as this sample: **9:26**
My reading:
**11:50**
